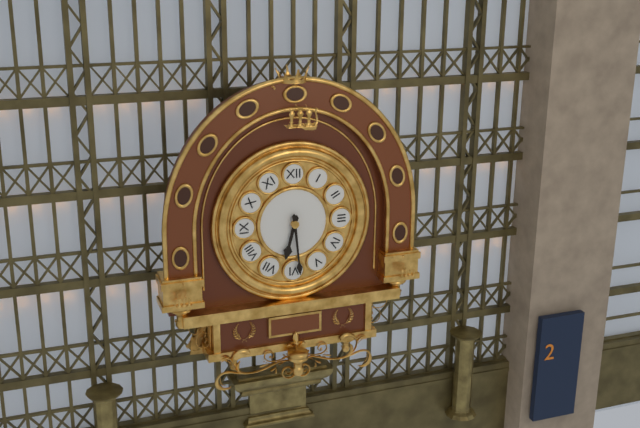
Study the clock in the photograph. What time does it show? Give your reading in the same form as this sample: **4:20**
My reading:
**6:29**
